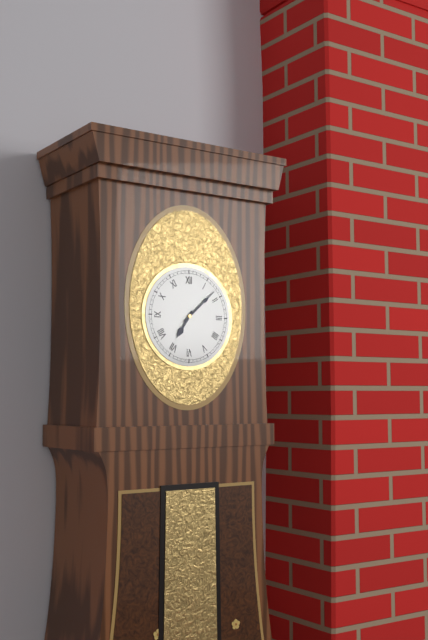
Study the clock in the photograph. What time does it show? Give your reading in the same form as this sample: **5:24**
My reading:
**7:08**
